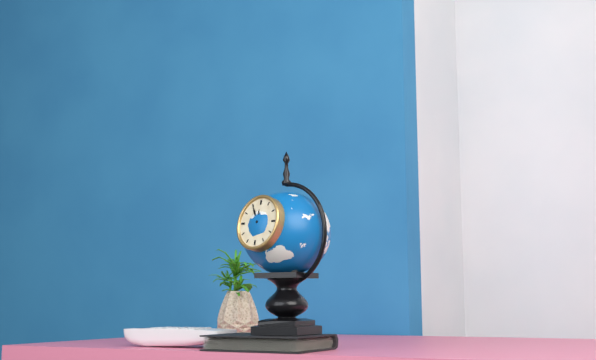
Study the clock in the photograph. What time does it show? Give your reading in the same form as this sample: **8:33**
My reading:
**11:55**
